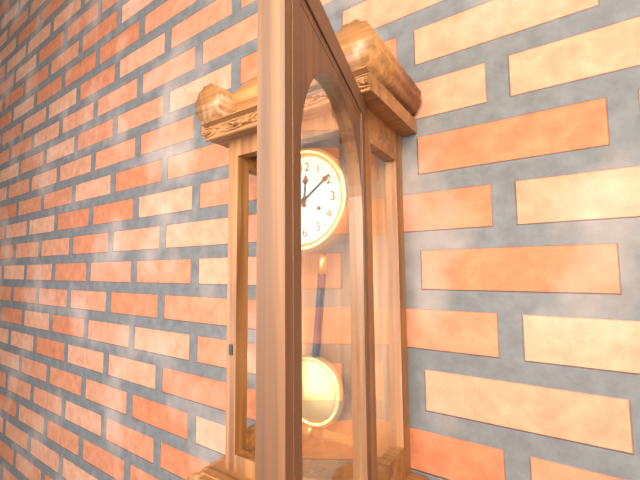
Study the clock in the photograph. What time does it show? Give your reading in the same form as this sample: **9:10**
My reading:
**12:09**
